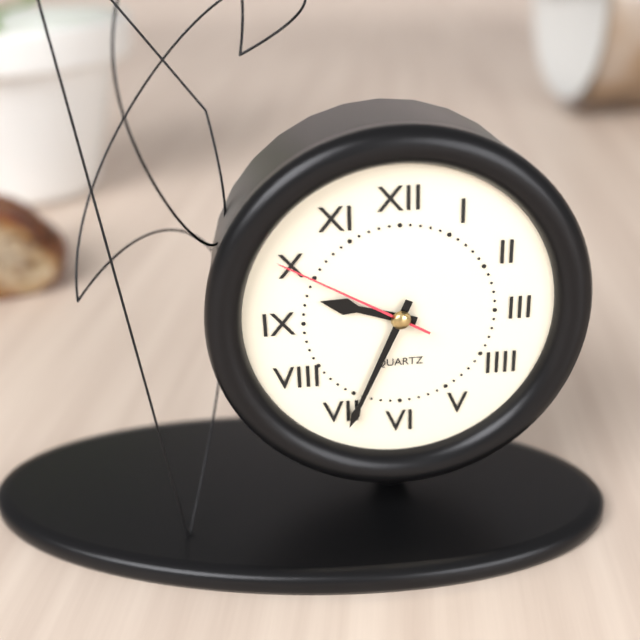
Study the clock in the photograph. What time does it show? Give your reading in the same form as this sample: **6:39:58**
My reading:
**9:34:50**
